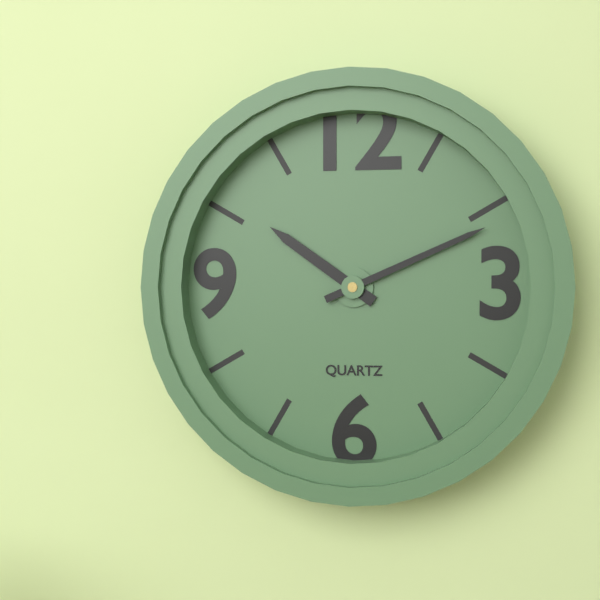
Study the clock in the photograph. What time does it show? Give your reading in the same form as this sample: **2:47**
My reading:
**10:11**
